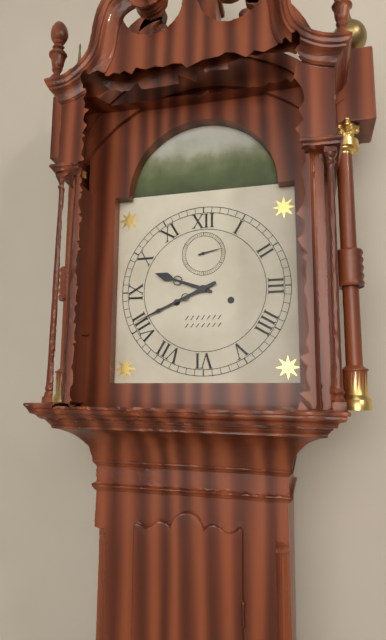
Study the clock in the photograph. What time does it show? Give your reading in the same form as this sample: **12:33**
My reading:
**9:41**
